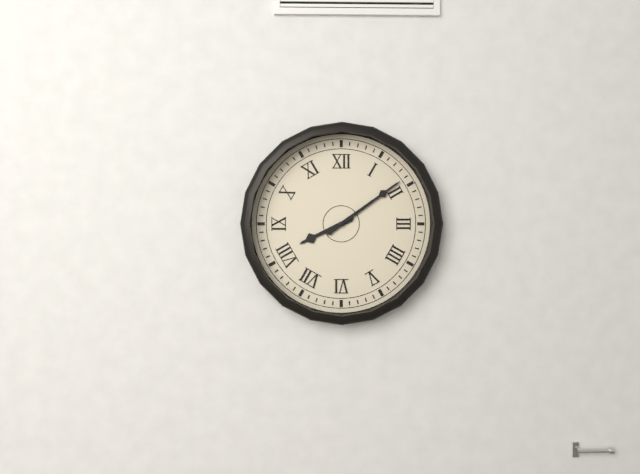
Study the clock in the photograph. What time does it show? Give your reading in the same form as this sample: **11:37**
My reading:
**8:09**
